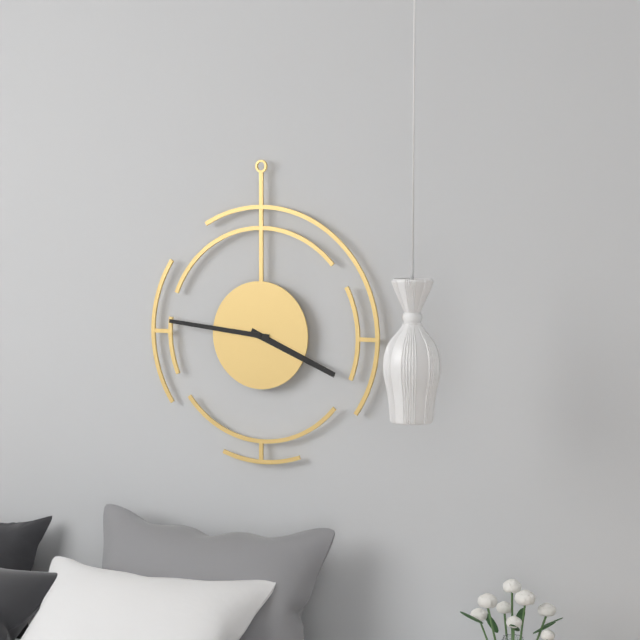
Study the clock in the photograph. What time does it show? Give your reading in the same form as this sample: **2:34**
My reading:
**3:46**
